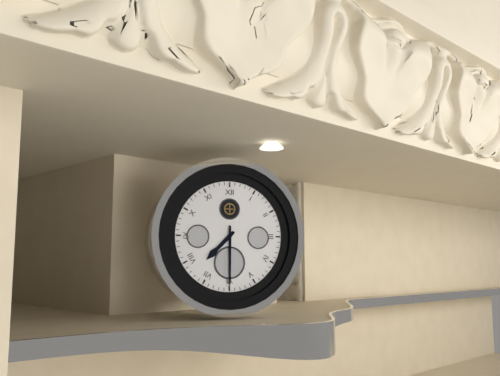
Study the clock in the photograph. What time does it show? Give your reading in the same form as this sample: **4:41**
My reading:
**7:30**
